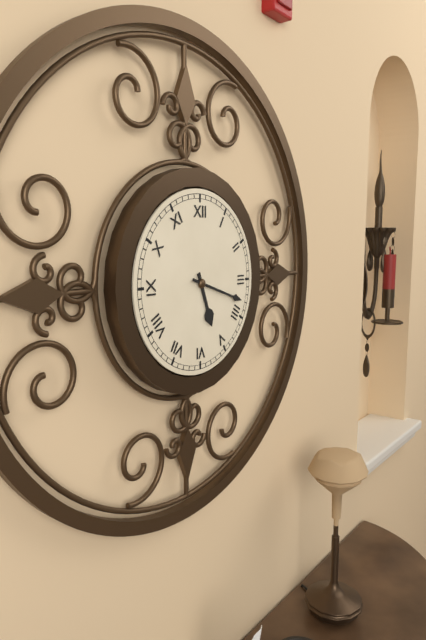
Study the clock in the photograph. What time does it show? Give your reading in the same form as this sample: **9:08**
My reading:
**5:18**
